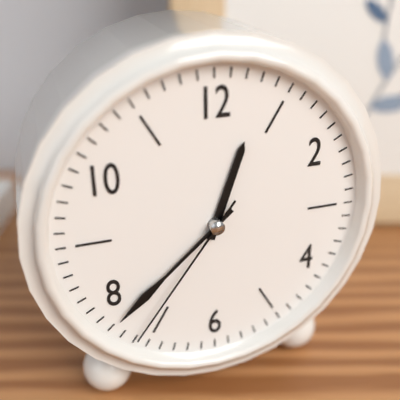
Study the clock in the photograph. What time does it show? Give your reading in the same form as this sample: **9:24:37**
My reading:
**12:38:36**
